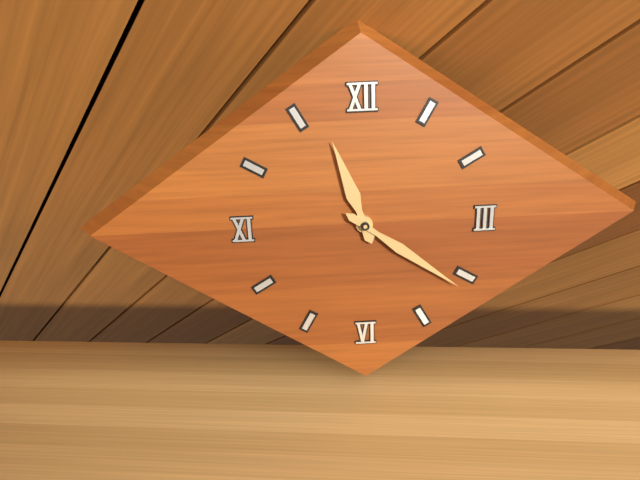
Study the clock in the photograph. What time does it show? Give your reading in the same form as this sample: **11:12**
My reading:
**11:21**
